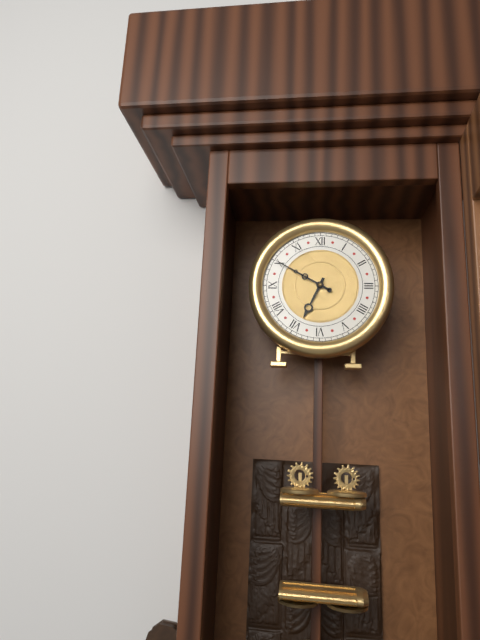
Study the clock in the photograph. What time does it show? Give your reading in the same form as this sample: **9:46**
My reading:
**6:50**
